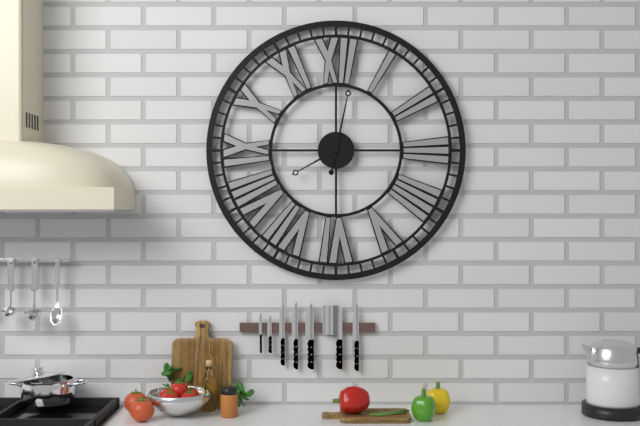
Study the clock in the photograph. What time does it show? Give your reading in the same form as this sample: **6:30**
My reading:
**8:02**
